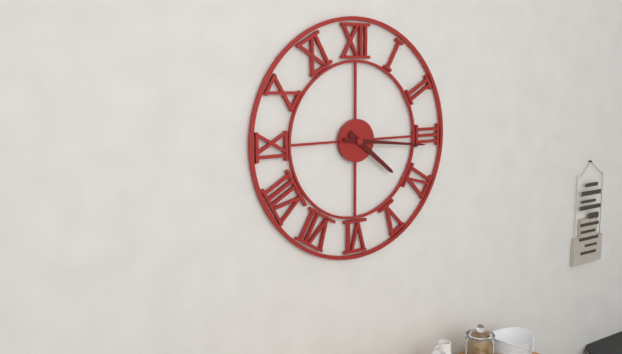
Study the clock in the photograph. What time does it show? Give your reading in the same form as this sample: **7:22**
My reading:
**4:16**
